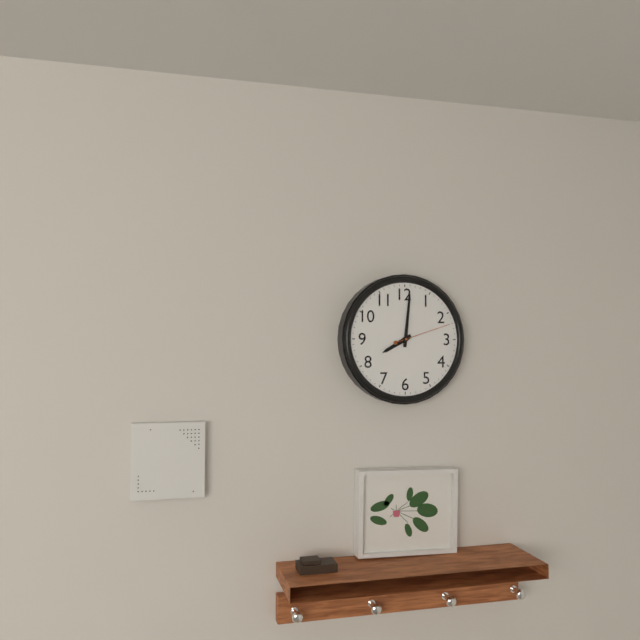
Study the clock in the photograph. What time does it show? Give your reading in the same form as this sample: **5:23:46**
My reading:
**8:01:12**
